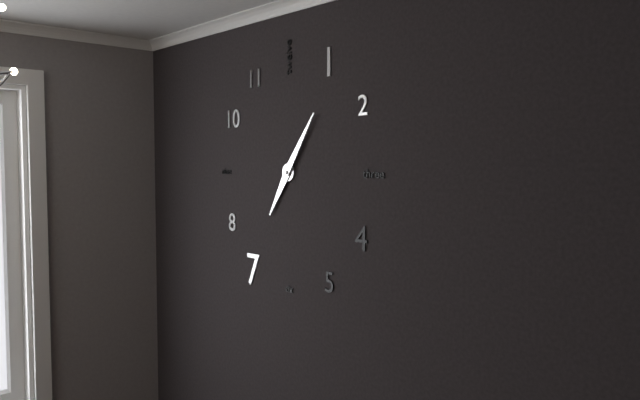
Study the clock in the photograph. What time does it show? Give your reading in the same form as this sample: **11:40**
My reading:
**7:06**
